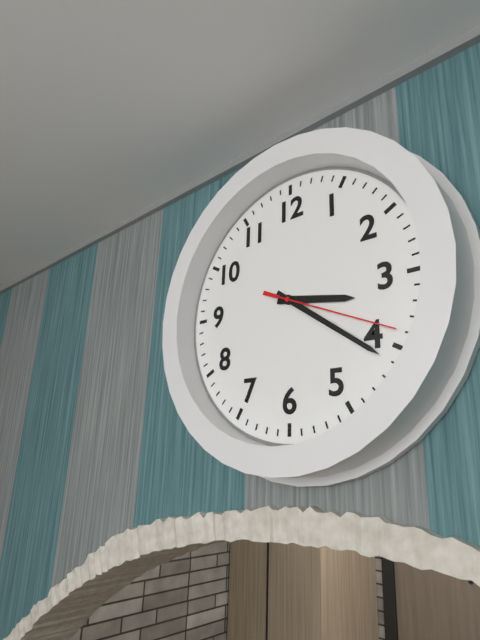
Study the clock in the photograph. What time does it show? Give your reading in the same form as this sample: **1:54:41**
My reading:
**3:21:19**
